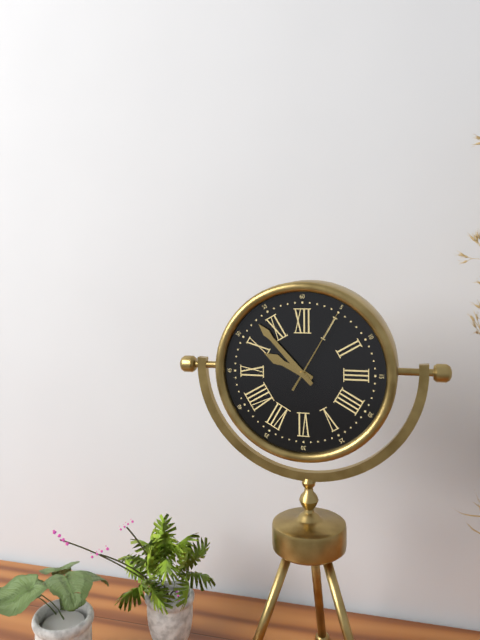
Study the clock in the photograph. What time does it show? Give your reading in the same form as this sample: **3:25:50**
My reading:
**9:53:05**
